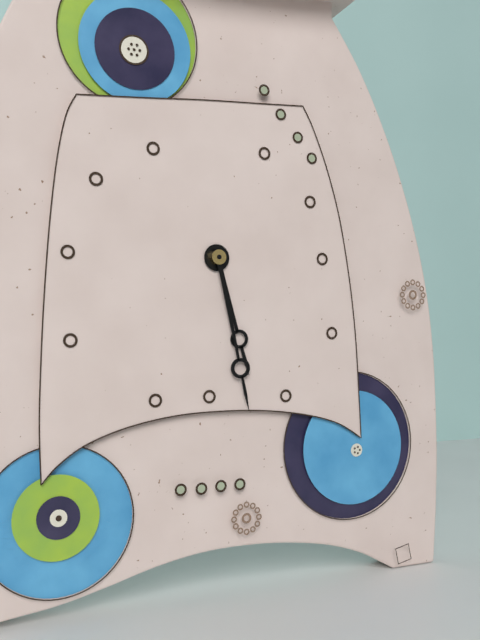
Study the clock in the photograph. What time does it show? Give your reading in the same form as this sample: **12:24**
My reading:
**5:28**
